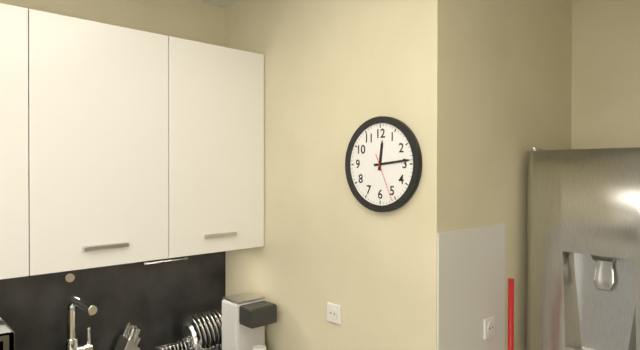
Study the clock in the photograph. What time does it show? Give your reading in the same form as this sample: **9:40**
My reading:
**12:14**
